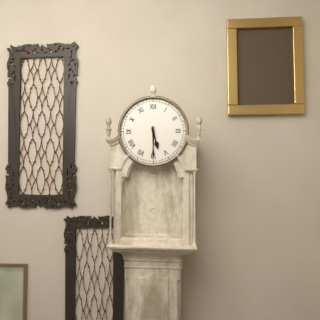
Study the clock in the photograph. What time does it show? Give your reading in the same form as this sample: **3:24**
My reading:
**5:30**
